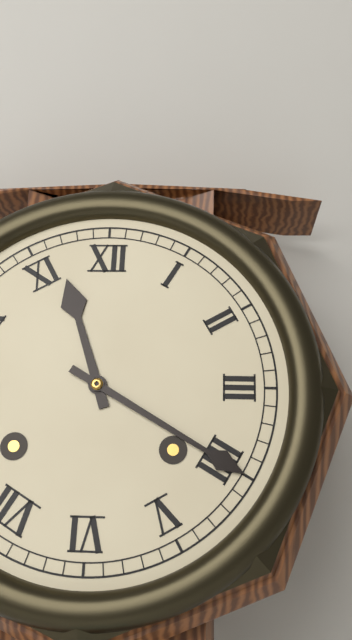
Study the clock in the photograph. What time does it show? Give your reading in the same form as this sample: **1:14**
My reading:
**11:20**
